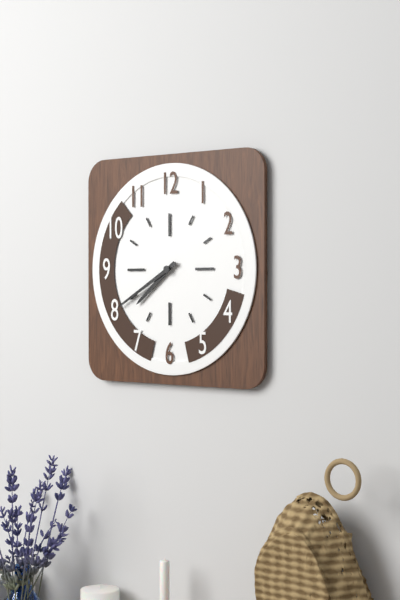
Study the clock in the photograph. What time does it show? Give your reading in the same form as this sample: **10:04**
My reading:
**7:40**
